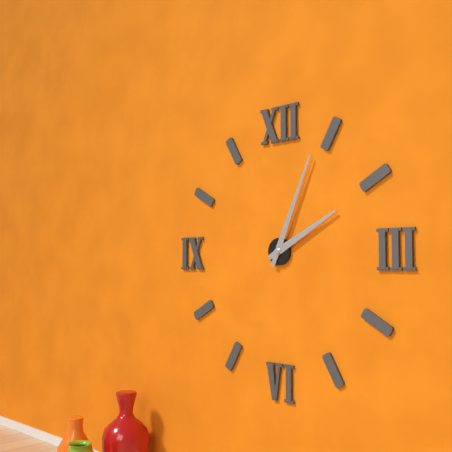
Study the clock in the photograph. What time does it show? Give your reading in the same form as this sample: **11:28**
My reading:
**2:04**
